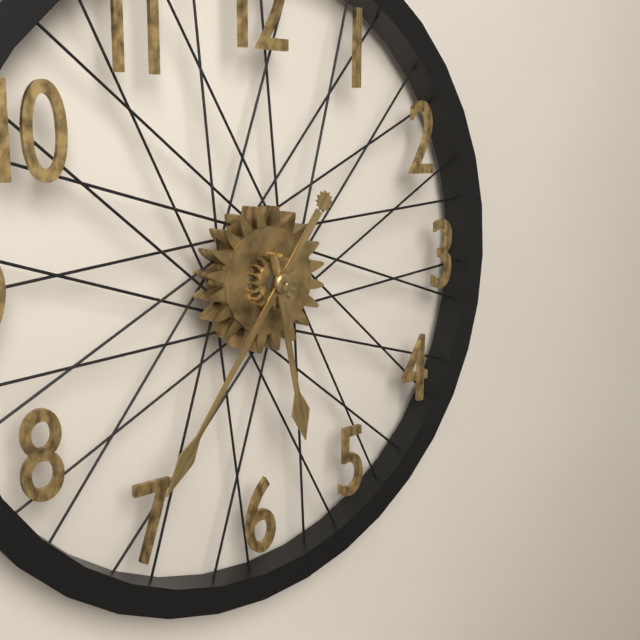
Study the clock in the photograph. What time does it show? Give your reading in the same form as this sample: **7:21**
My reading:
**5:36**
